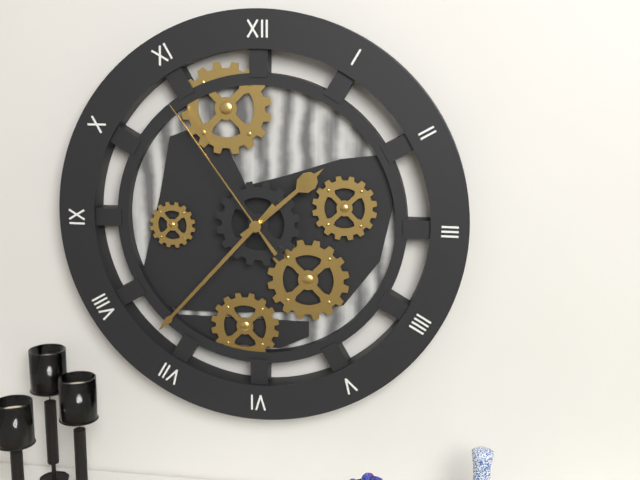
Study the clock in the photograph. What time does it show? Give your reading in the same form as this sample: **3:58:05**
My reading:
**1:37:54**
